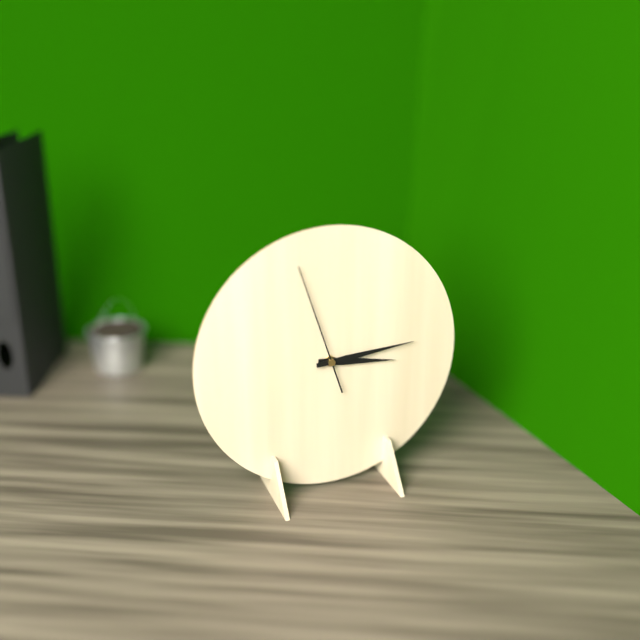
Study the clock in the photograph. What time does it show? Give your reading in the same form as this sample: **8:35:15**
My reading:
**3:14:57**
